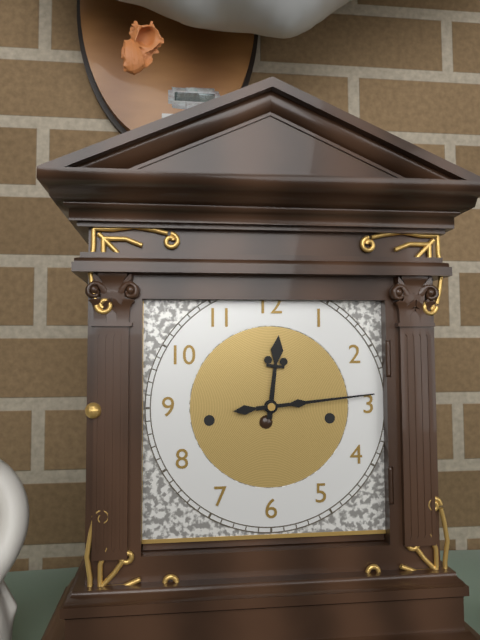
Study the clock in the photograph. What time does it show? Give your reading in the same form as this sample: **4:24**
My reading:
**12:14**
